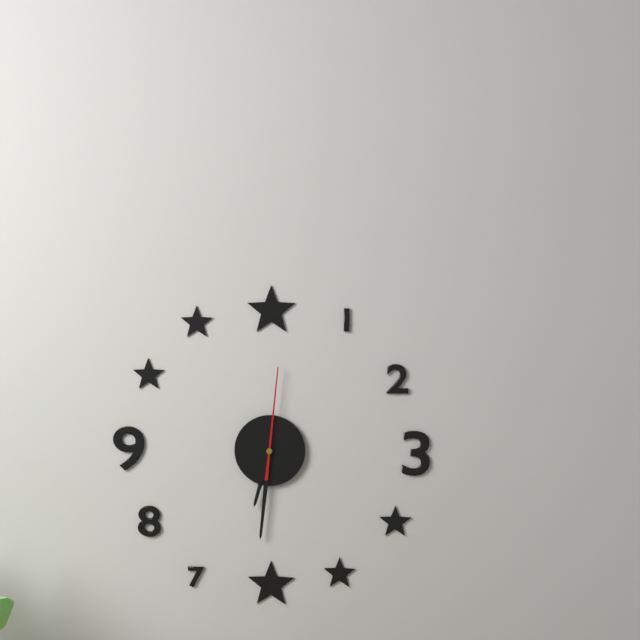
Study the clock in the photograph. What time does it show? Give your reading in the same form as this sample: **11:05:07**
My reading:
**6:31:01**
